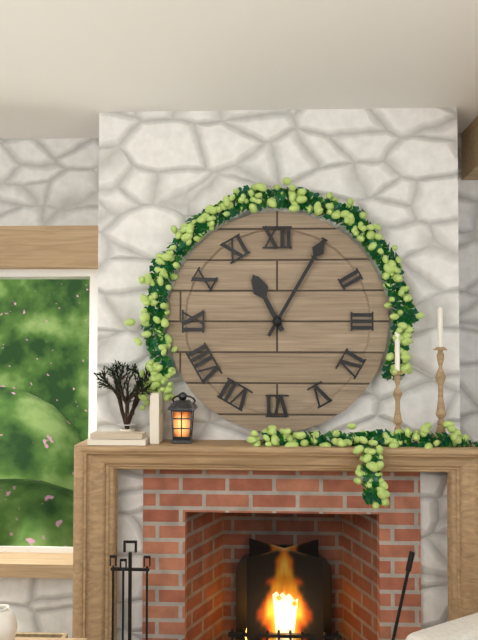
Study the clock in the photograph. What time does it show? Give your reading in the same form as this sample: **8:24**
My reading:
**11:05**
